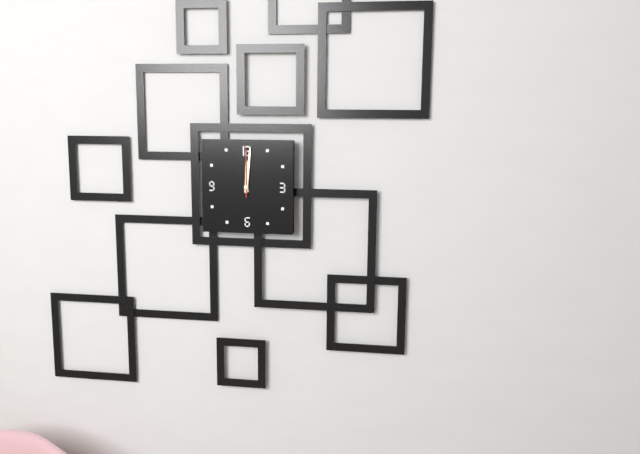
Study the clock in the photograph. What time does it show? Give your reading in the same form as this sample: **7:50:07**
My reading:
**12:01:00**
